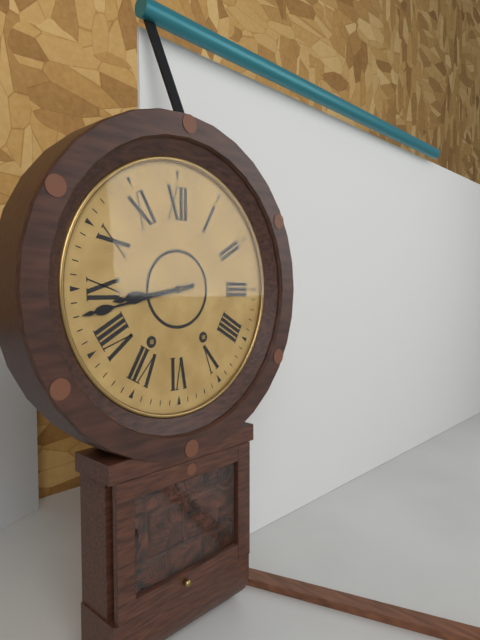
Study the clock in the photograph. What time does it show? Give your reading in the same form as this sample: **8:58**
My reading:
**8:43**
